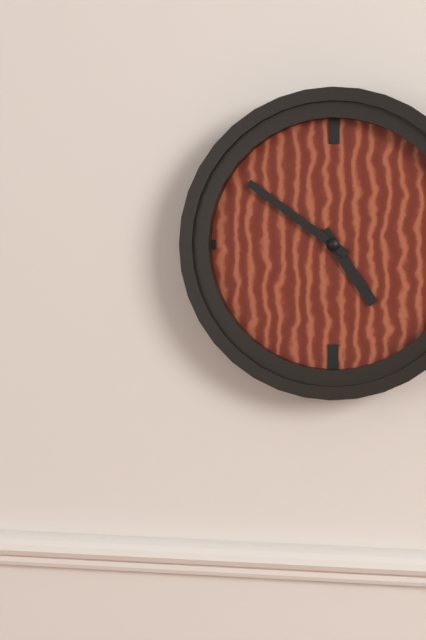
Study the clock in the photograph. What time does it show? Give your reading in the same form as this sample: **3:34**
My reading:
**4:51**
